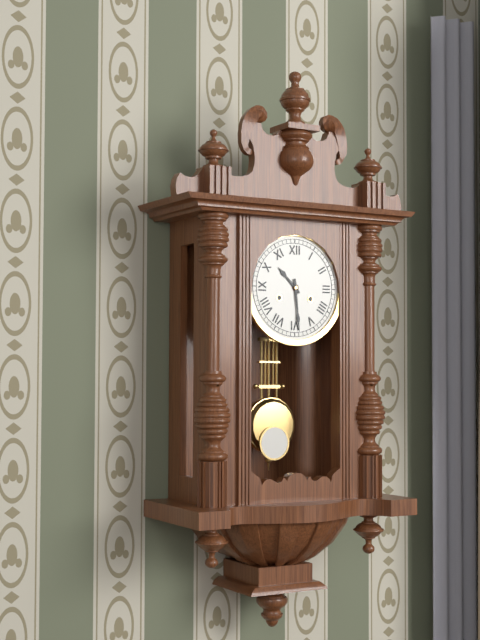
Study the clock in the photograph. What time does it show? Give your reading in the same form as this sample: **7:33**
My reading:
**10:29**
